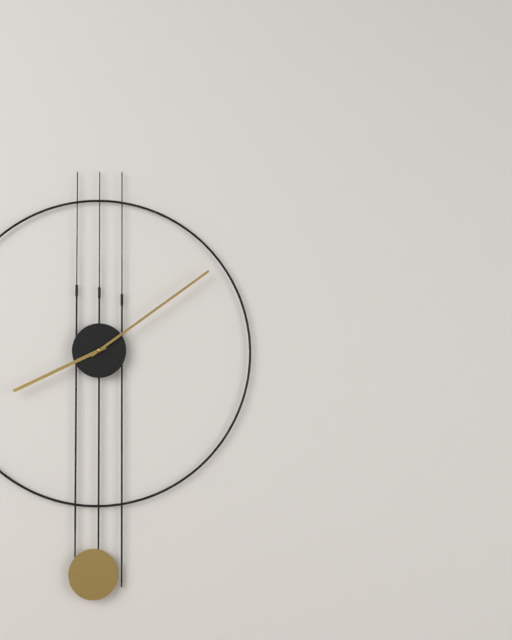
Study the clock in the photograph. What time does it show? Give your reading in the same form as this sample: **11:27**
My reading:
**8:09**
